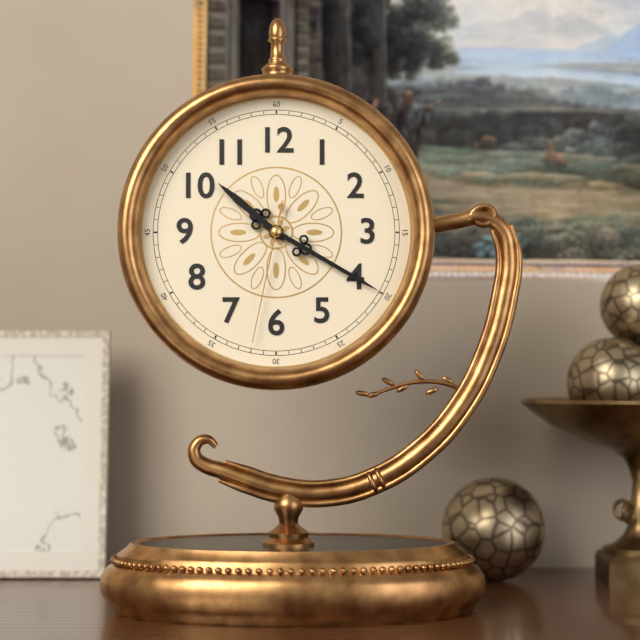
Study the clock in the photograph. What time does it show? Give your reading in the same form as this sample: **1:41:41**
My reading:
**10:20:32**
